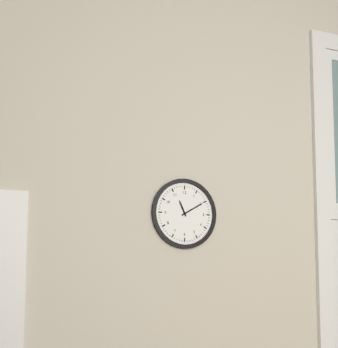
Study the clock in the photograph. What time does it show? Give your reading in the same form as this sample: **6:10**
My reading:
**11:10**
